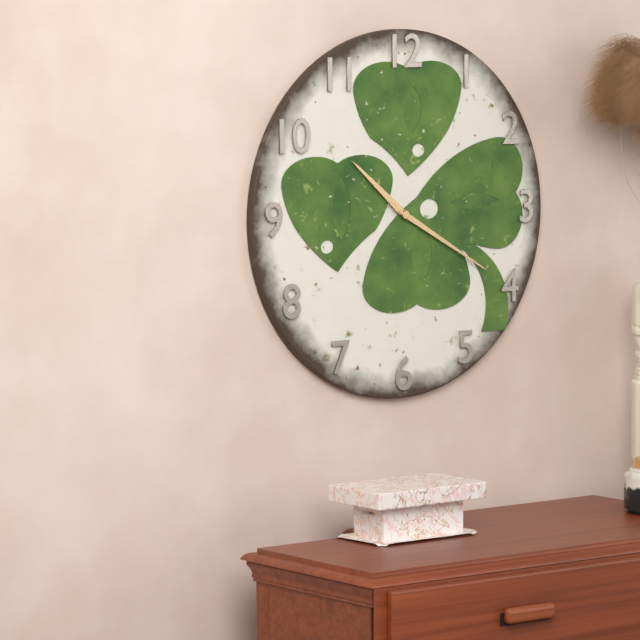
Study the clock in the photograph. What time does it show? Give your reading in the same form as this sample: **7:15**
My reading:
**10:20**
